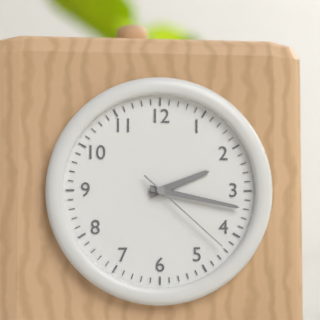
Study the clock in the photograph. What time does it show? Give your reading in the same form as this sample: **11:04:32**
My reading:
**2:17:22**
